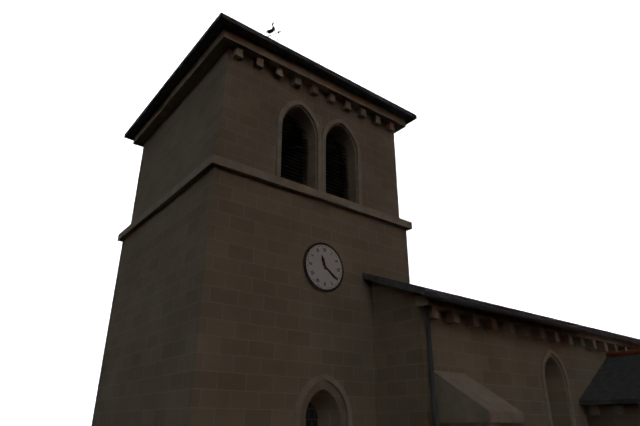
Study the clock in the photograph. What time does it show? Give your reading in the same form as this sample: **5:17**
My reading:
**11:21**
